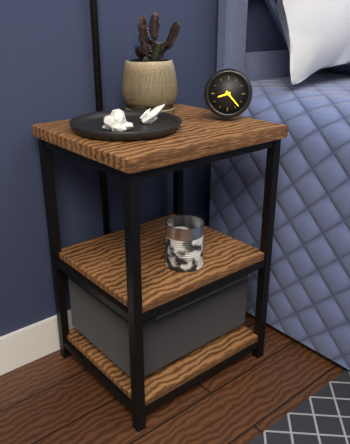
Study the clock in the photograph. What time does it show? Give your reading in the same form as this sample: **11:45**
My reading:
**8:23**
